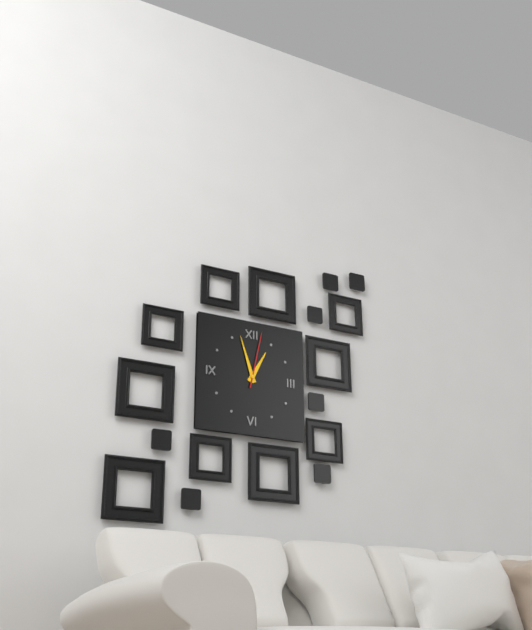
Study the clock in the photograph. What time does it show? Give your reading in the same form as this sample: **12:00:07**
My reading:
**12:57:02**
